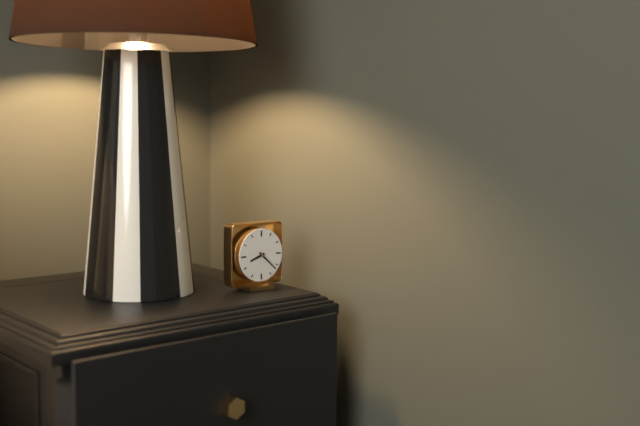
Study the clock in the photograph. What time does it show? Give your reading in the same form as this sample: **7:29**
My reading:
**8:22**
